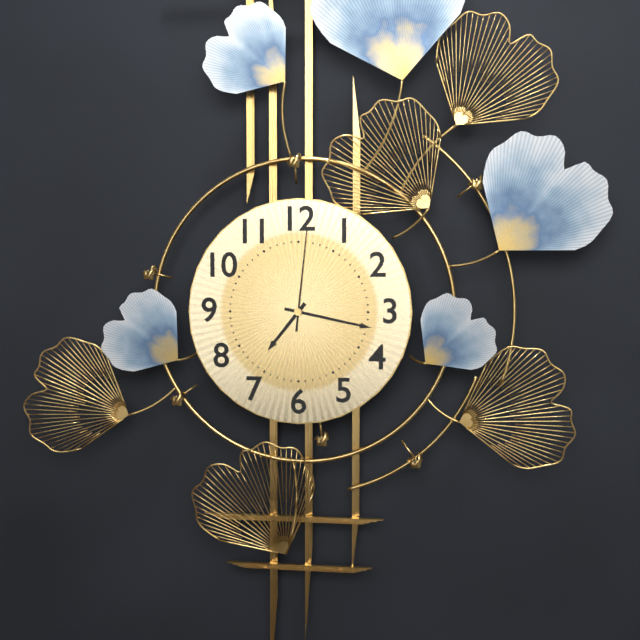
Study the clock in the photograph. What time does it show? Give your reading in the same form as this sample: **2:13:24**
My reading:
**7:17:01**
